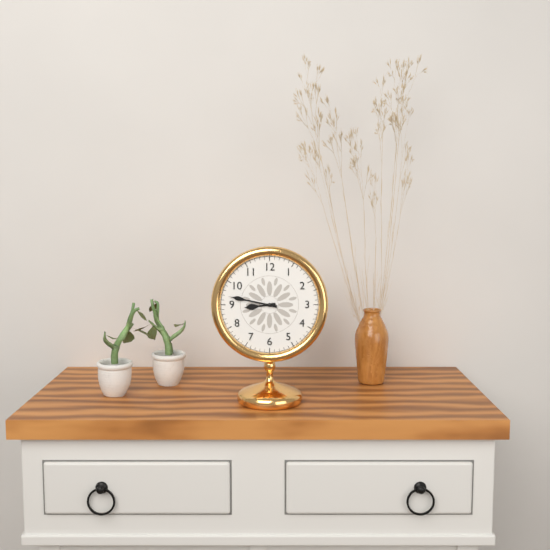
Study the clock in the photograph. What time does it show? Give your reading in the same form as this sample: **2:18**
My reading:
**8:47**
